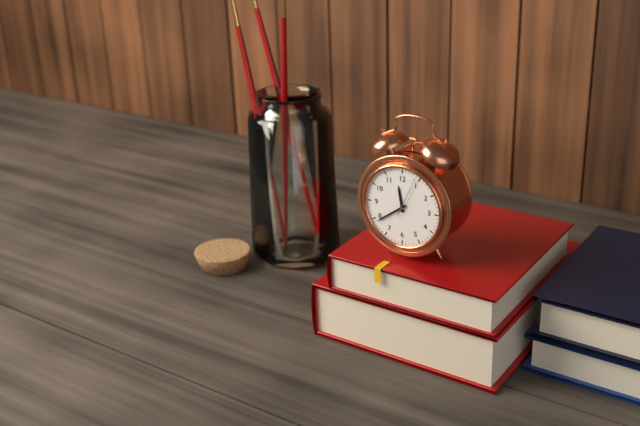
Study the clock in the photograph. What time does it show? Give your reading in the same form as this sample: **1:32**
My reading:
**11:39**
